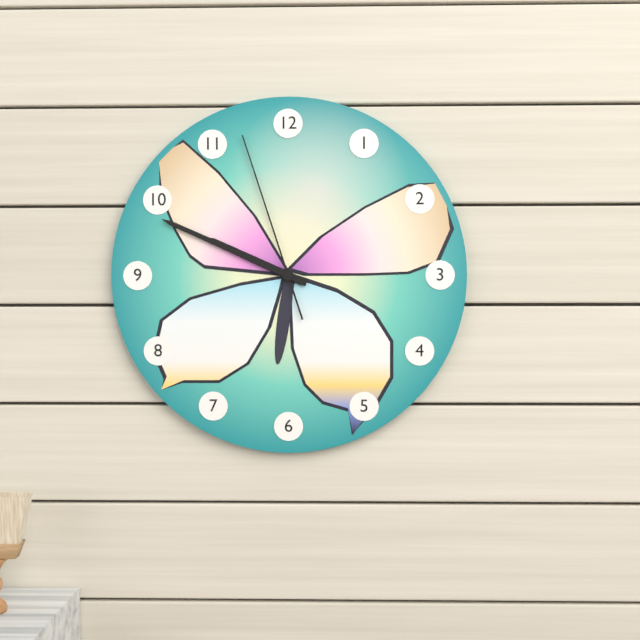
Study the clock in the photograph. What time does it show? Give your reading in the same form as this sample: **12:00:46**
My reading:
**9:49:57**
